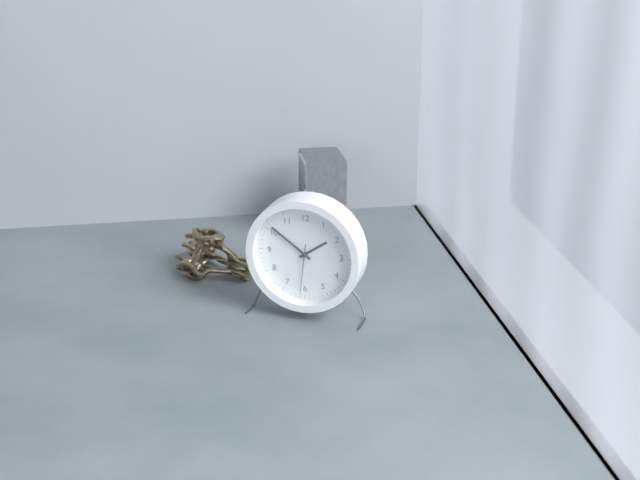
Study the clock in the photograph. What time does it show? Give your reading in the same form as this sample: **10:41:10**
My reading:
**1:51:31**
